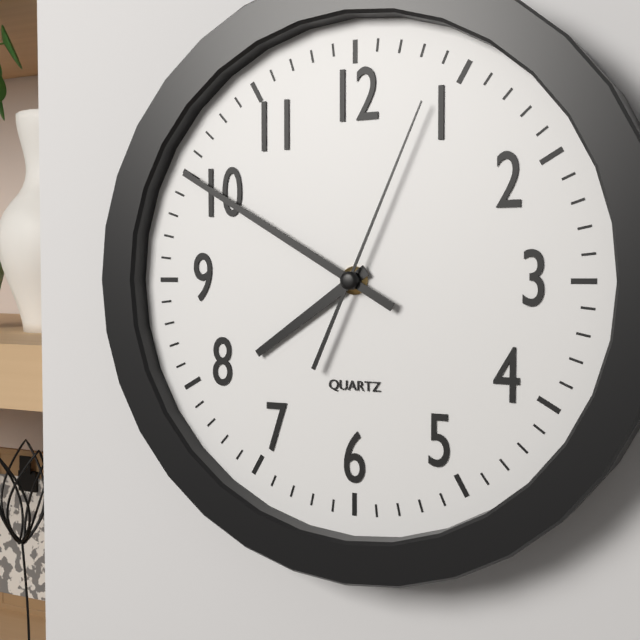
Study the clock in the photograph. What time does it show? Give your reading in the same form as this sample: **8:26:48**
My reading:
**7:50:04**
